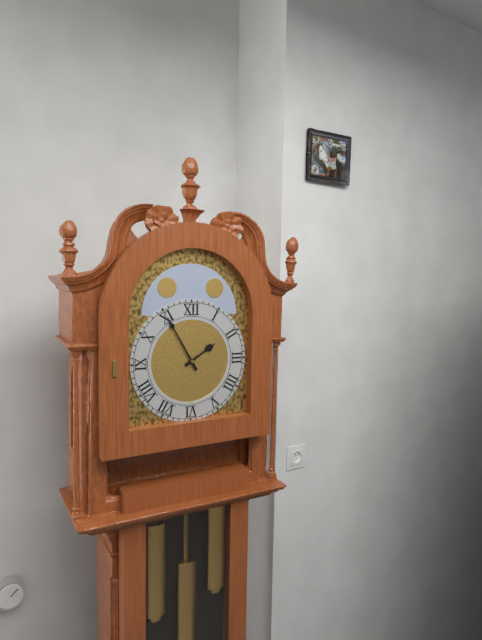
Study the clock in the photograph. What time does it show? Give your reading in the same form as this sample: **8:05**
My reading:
**1:55**
